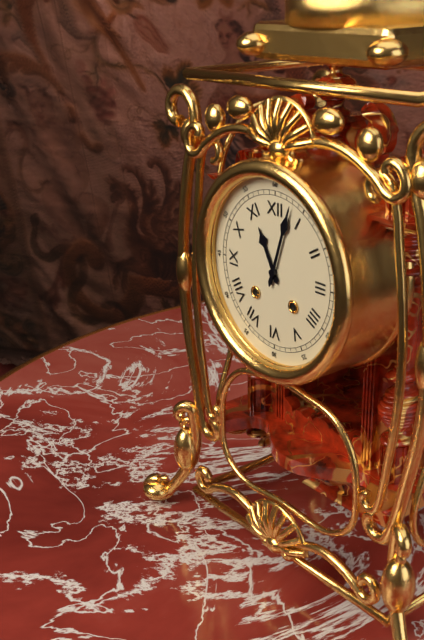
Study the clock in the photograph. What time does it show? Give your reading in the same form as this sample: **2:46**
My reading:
**11:03**
